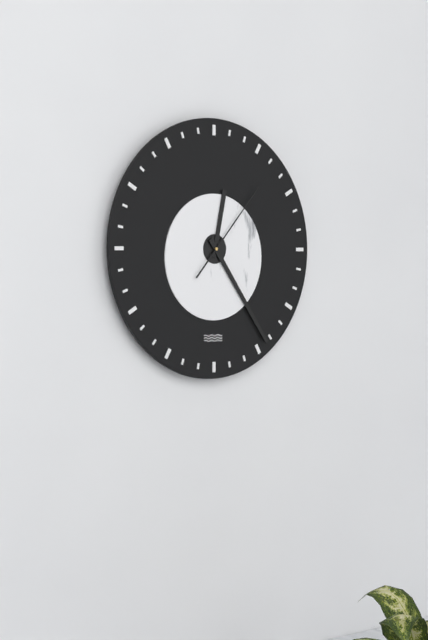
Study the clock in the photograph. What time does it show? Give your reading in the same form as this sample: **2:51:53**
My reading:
**12:24:07**
